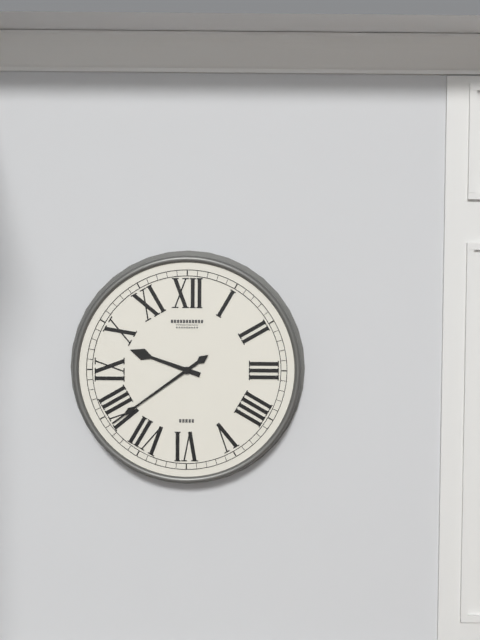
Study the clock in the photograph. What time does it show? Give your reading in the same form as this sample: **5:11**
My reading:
**9:39**
